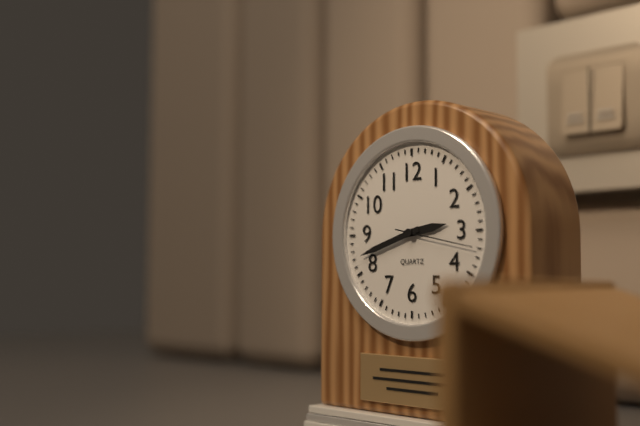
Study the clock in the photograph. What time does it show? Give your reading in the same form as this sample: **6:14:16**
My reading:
**2:42:17**
